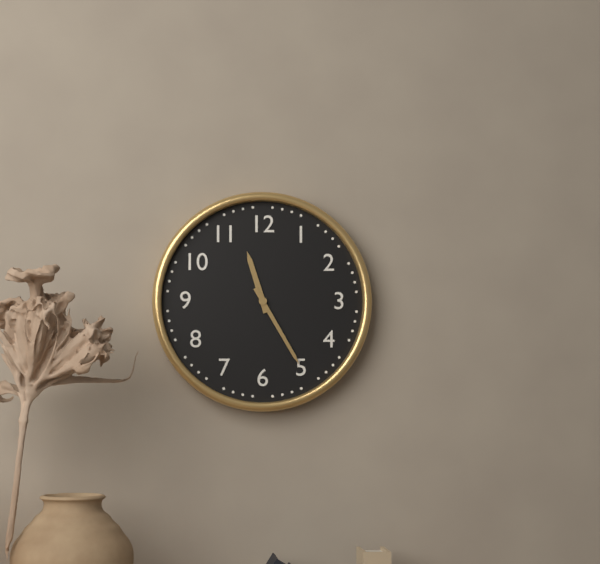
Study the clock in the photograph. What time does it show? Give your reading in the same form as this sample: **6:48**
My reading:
**11:25**
